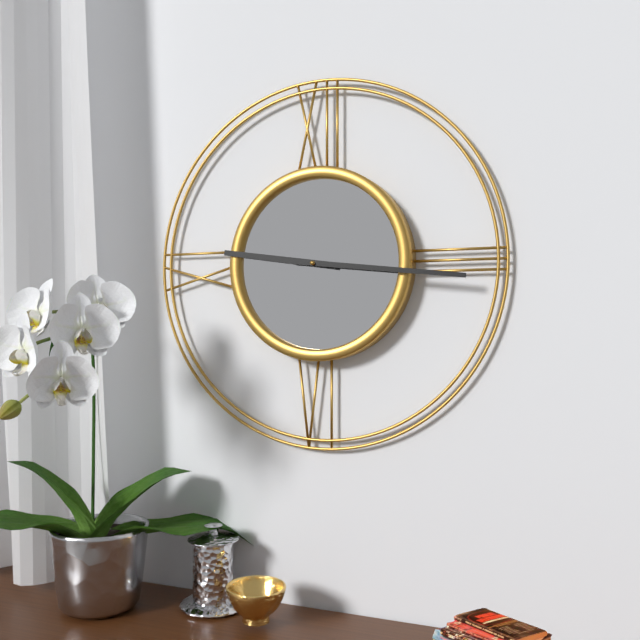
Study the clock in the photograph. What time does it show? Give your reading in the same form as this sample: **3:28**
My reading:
**9:16**
